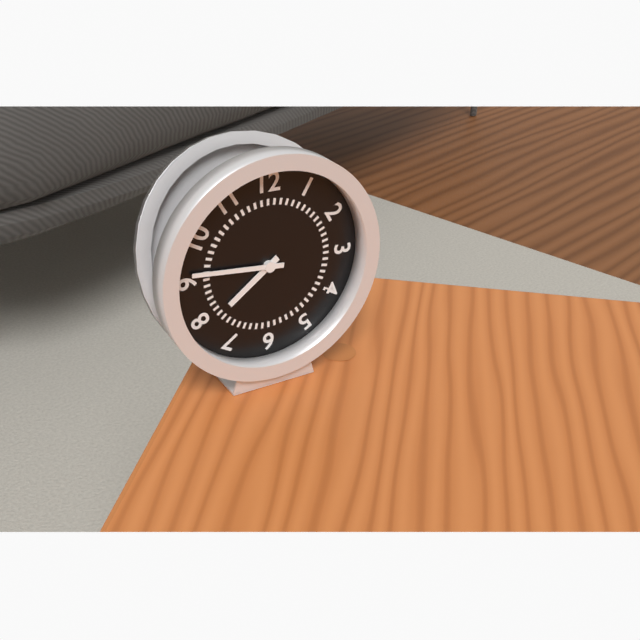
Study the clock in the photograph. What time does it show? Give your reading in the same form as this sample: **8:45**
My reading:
**7:46**
